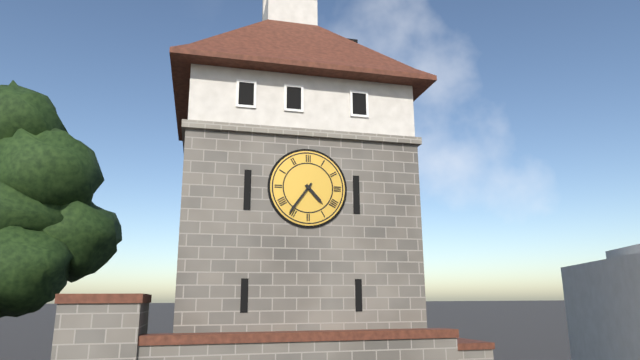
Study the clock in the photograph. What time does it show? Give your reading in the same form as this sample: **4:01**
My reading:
**4:36**
